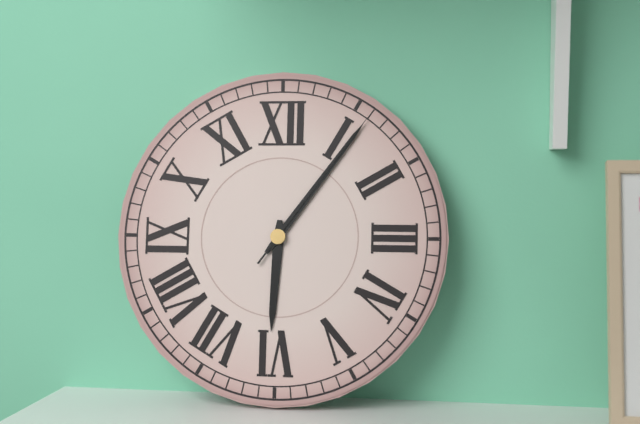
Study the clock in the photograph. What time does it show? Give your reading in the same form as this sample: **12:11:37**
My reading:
**6:06:06**
